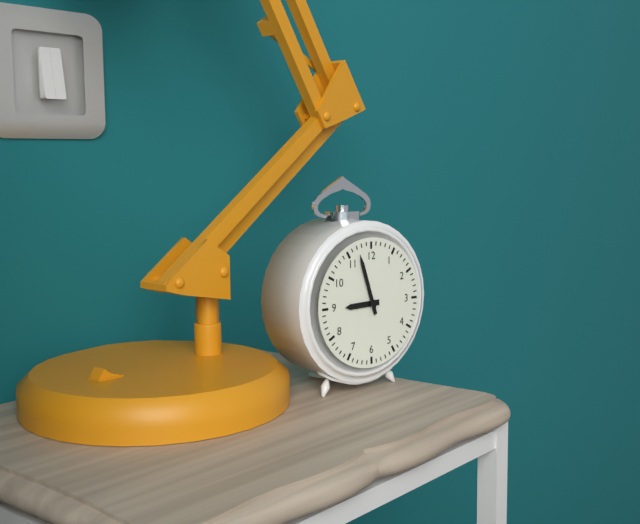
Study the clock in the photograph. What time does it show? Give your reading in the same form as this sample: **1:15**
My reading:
**8:57**
